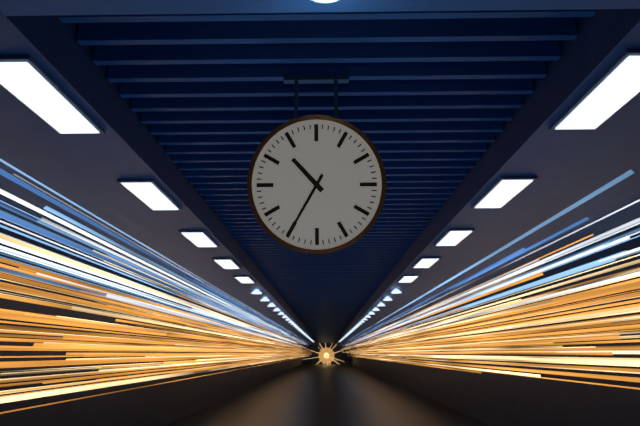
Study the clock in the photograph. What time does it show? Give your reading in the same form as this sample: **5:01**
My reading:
**10:35**
